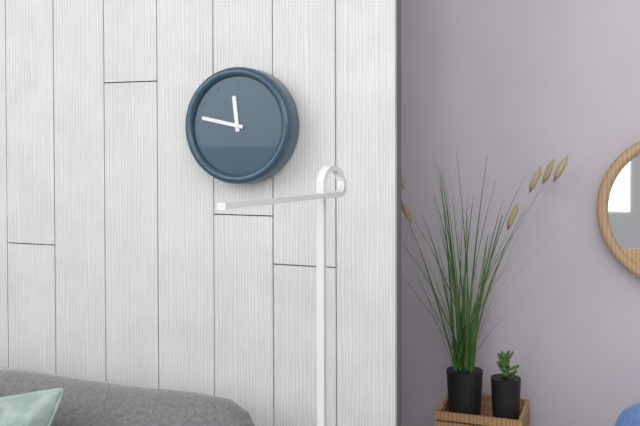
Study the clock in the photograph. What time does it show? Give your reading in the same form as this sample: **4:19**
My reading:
**11:47**
